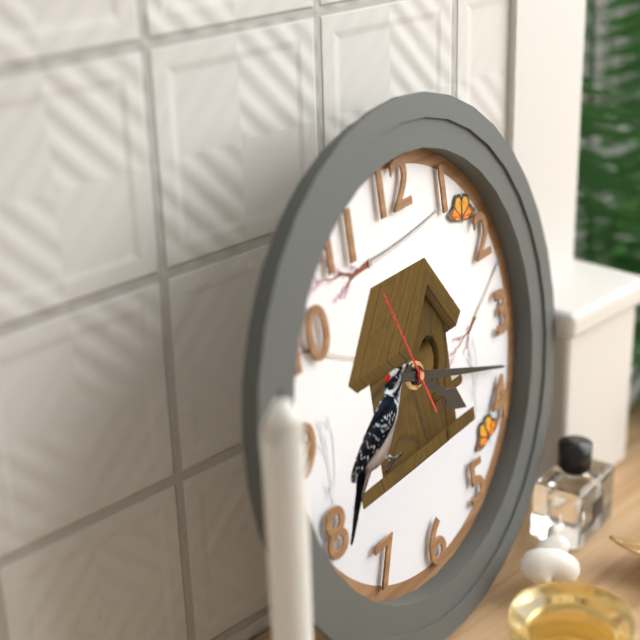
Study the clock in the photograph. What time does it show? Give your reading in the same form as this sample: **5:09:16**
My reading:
**4:18:56**
